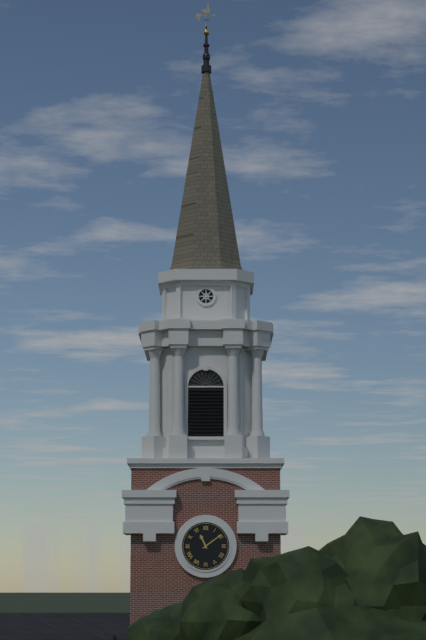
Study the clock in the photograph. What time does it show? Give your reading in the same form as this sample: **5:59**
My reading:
**11:09**
